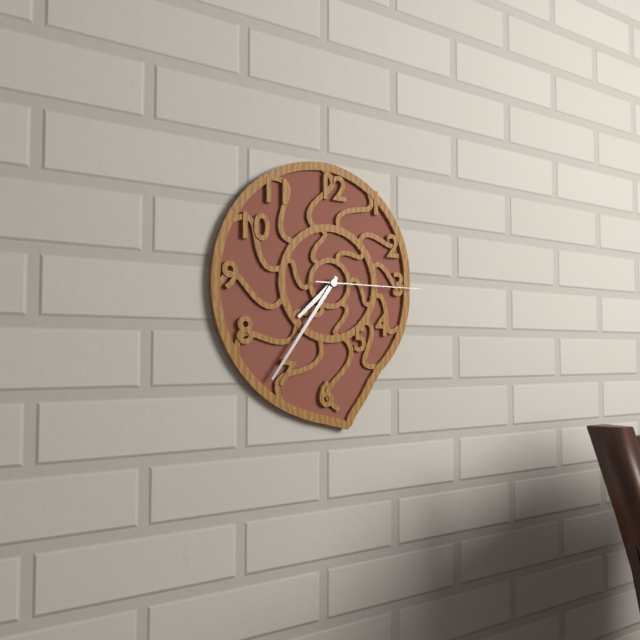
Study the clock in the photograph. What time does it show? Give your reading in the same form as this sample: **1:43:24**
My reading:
**7:36:15**
